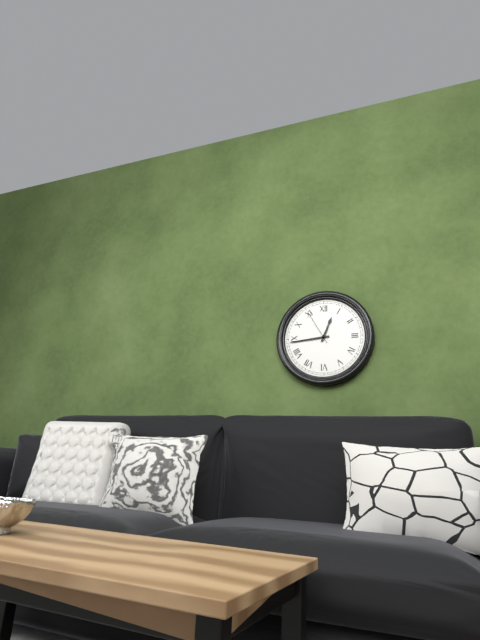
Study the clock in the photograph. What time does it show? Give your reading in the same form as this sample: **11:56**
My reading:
**12:44**
